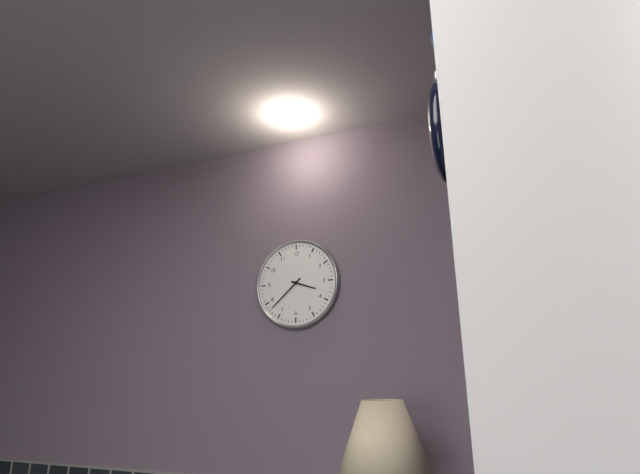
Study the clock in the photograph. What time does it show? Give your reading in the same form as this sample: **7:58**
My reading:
**3:38**
